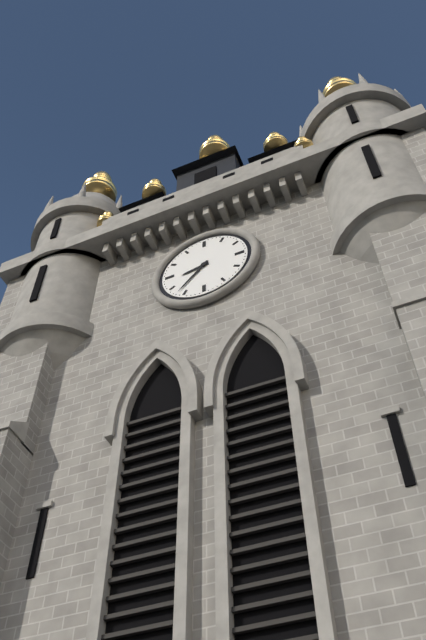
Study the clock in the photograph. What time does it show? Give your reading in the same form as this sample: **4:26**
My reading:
**8:37**
